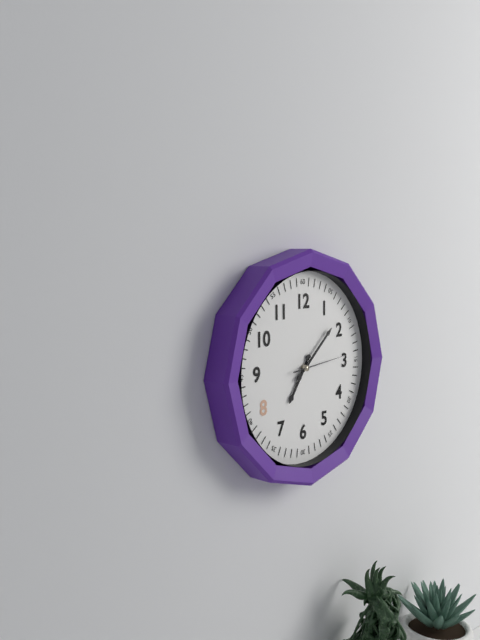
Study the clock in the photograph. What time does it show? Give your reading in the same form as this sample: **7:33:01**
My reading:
**7:08:14**
